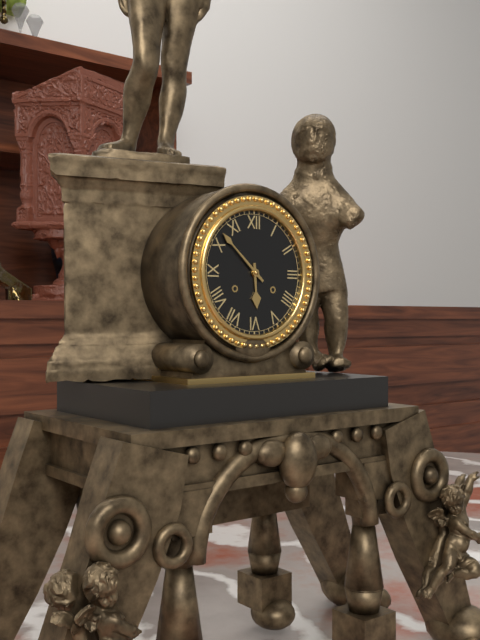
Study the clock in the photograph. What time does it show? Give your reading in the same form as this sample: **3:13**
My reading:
**5:52**
